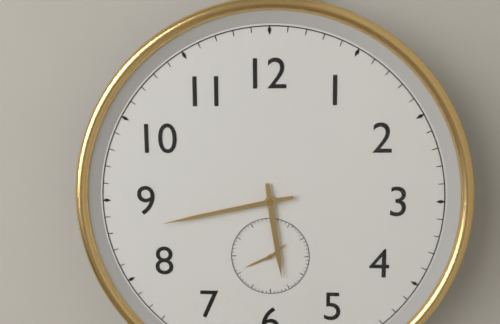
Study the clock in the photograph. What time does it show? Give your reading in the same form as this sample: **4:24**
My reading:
**5:43**
